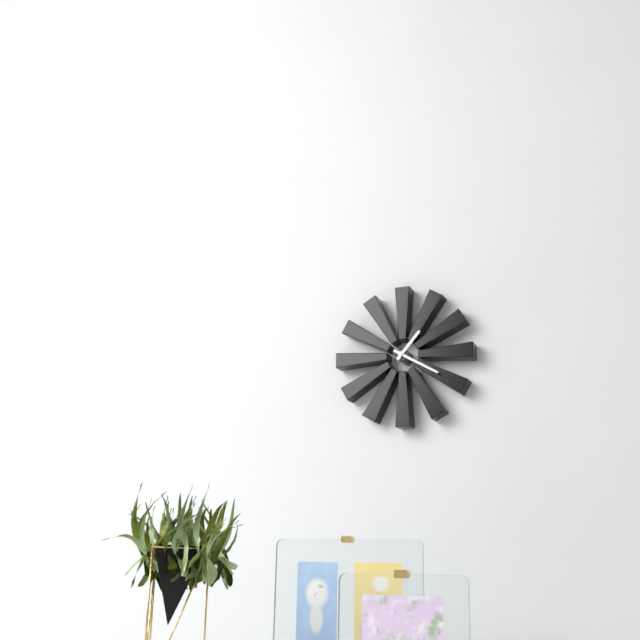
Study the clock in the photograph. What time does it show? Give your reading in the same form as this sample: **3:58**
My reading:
**1:20**
